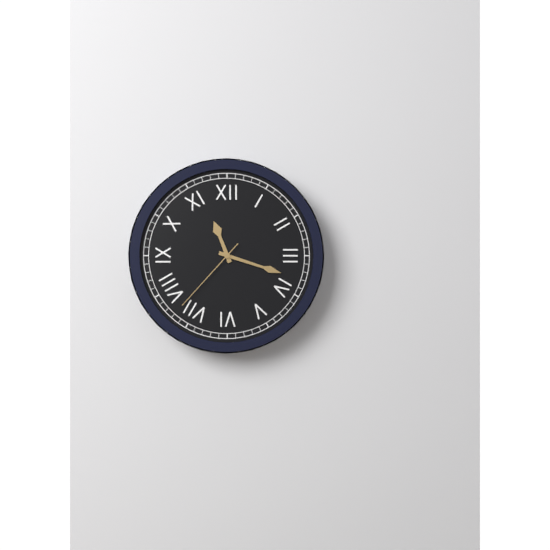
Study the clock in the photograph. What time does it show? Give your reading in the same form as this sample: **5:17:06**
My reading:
**11:18:37**
